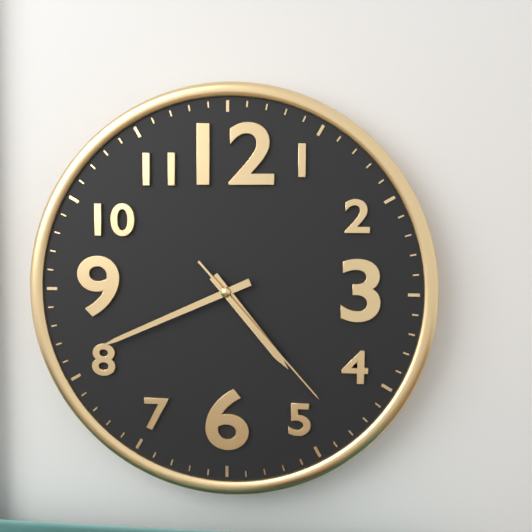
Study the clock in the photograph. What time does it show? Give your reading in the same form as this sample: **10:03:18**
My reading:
**4:41:23**
